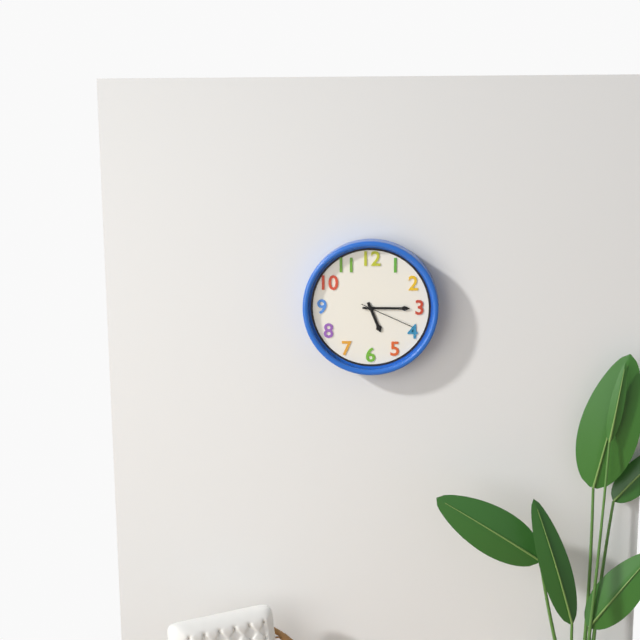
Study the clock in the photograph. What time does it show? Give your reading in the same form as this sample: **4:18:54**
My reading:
**5:15:19**
